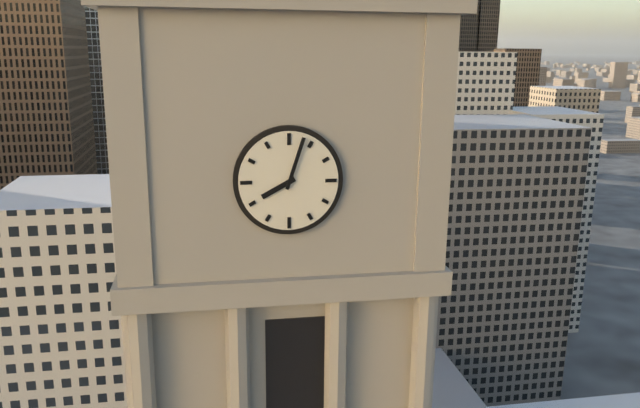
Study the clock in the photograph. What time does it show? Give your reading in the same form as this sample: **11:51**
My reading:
**8:03**
